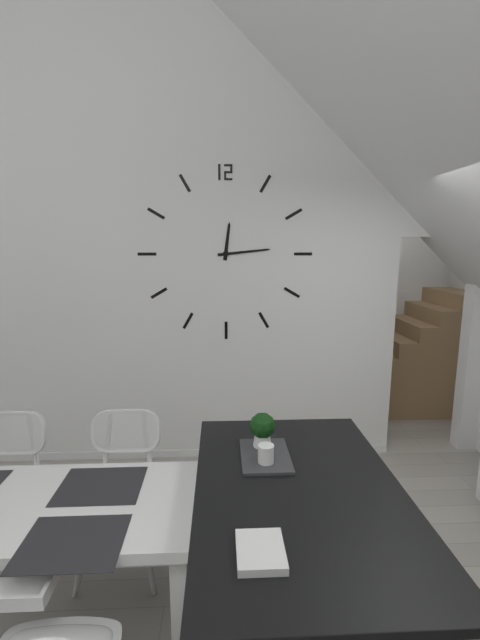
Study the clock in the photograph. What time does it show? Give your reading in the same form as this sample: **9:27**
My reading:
**12:14**
